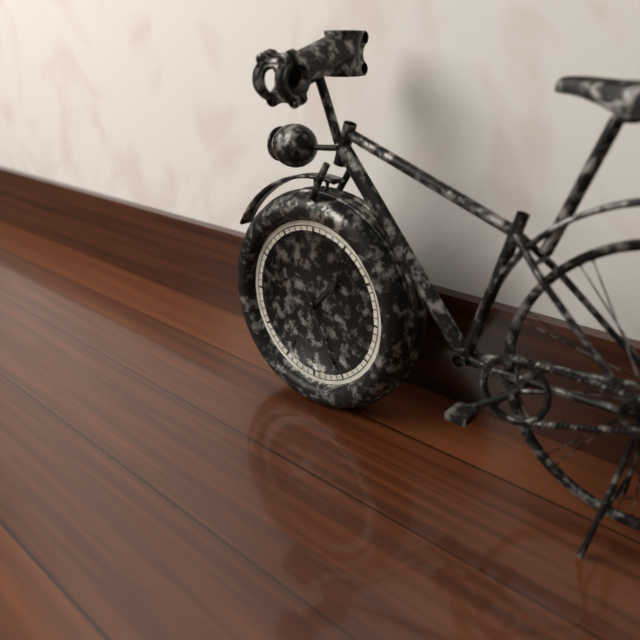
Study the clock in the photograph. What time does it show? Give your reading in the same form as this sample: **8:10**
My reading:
**1:26**
